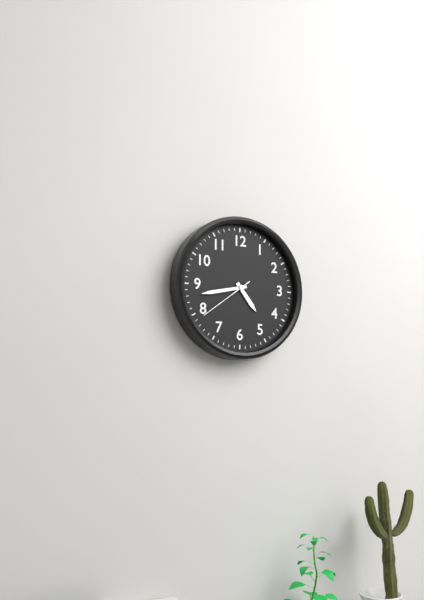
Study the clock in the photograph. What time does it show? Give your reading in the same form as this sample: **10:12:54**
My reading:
**4:43:39**
